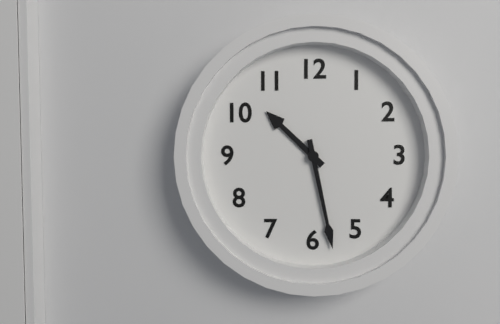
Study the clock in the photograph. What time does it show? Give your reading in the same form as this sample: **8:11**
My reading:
**10:28**
